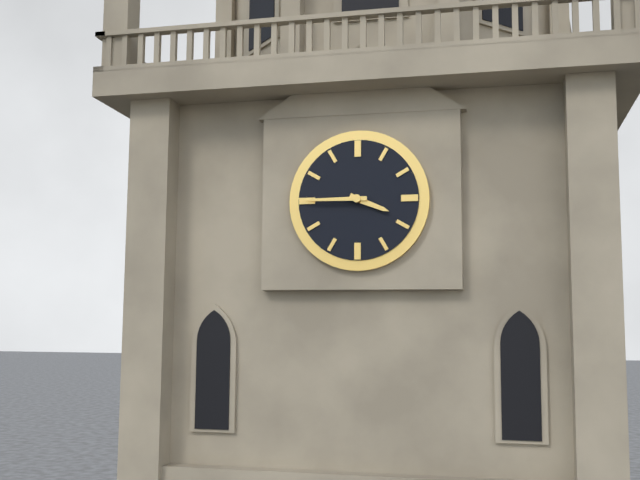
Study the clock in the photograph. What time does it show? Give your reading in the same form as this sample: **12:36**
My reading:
**3:45**
